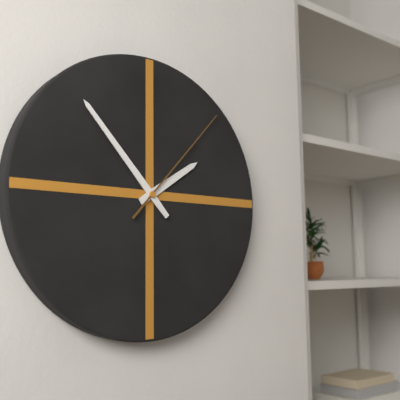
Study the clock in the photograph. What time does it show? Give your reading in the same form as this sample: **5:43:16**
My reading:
**1:53:07**
